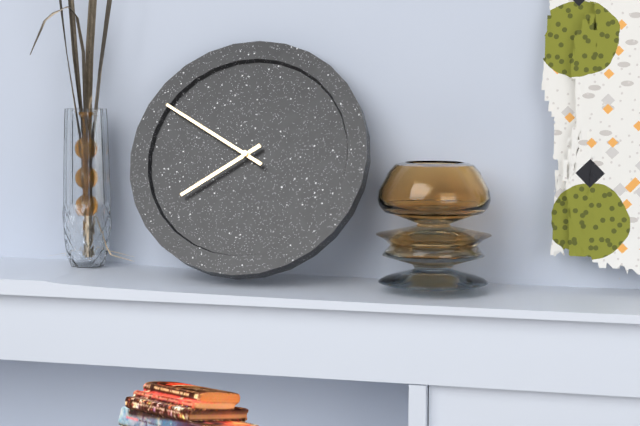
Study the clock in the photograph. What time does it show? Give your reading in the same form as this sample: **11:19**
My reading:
**7:50**
